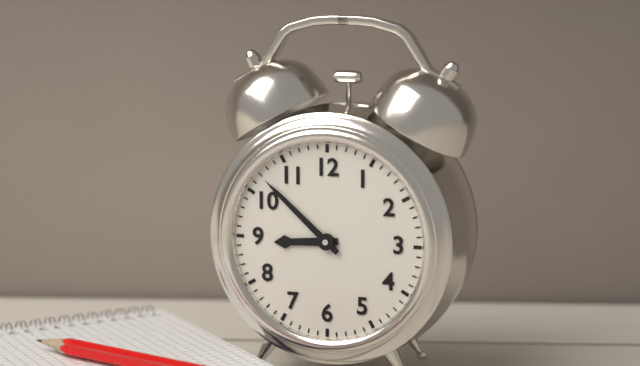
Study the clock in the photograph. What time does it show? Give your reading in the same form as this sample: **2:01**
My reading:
**8:52**
